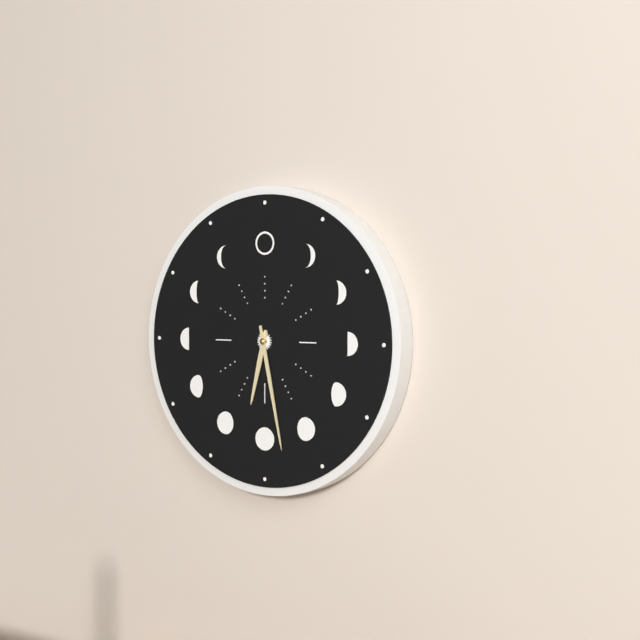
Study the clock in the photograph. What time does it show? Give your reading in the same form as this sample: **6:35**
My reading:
**6:28**
